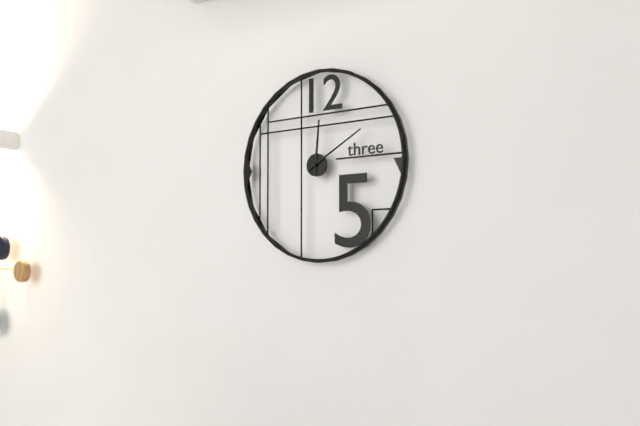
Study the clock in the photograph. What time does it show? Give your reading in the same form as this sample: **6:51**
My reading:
**12:10**
